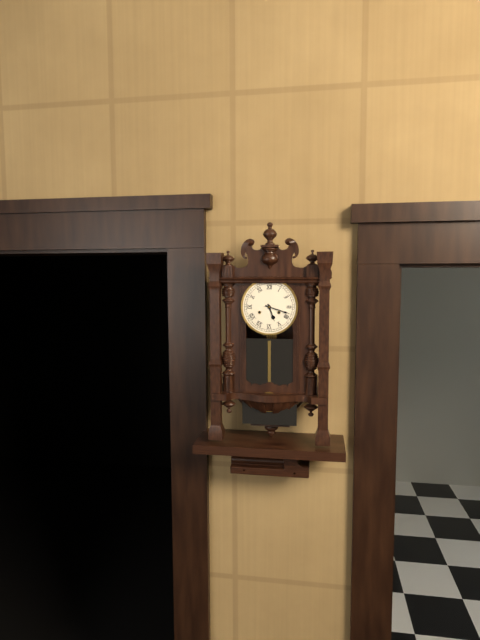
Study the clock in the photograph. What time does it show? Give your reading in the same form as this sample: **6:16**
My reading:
**5:18**
